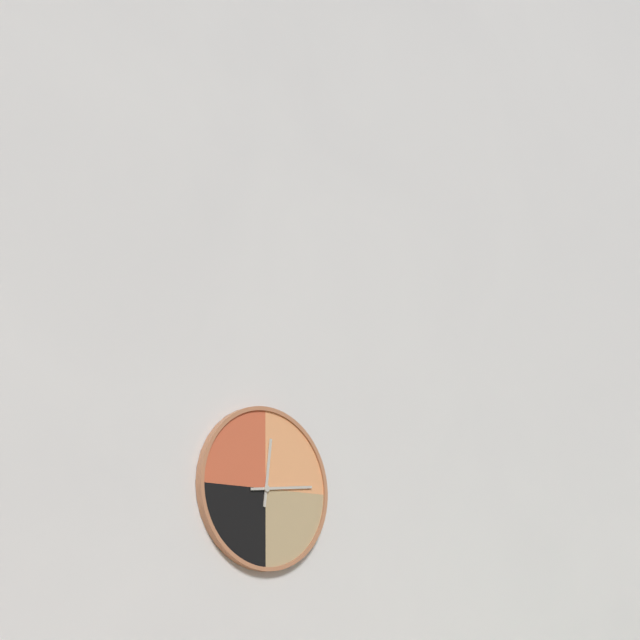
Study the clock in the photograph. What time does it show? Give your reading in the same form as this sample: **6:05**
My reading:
**12:14**
